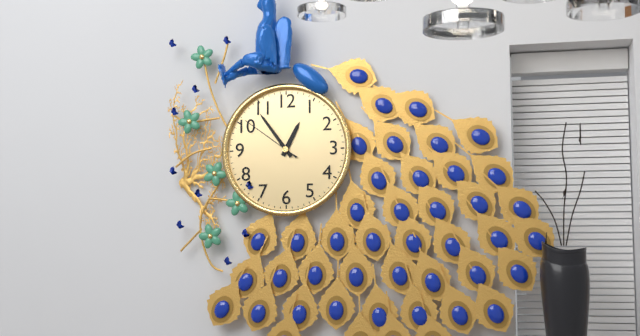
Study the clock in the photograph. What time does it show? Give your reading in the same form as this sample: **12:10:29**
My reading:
**12:54:51**
